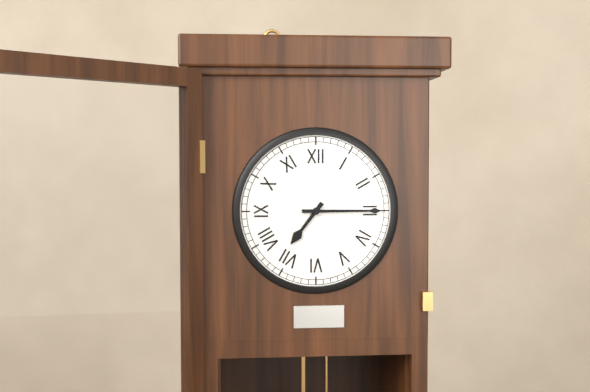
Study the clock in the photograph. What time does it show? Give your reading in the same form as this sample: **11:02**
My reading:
**7:15**
